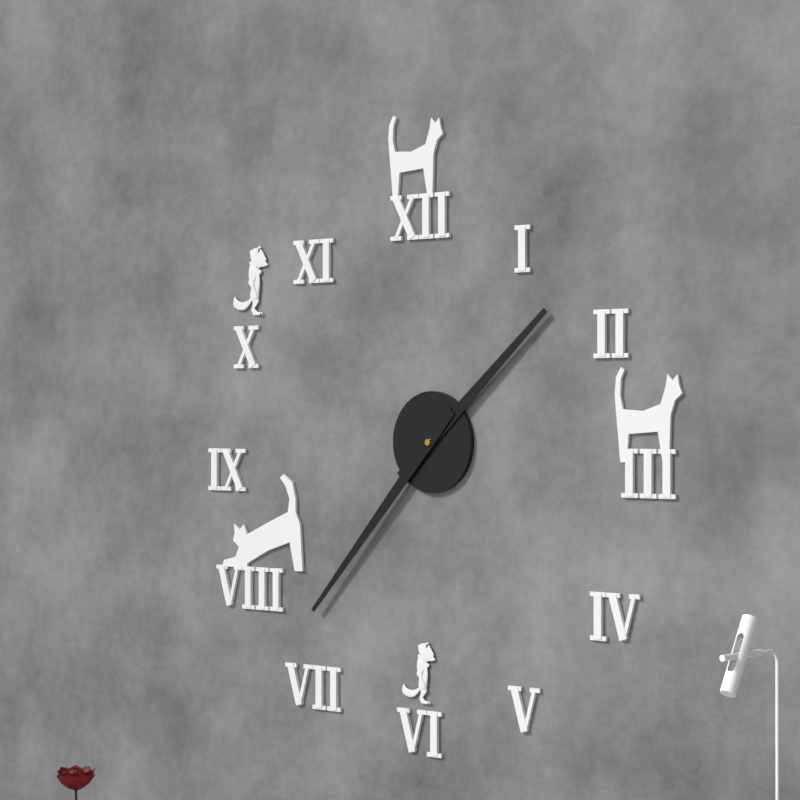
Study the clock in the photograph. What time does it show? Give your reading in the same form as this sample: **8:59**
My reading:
**1:37**
